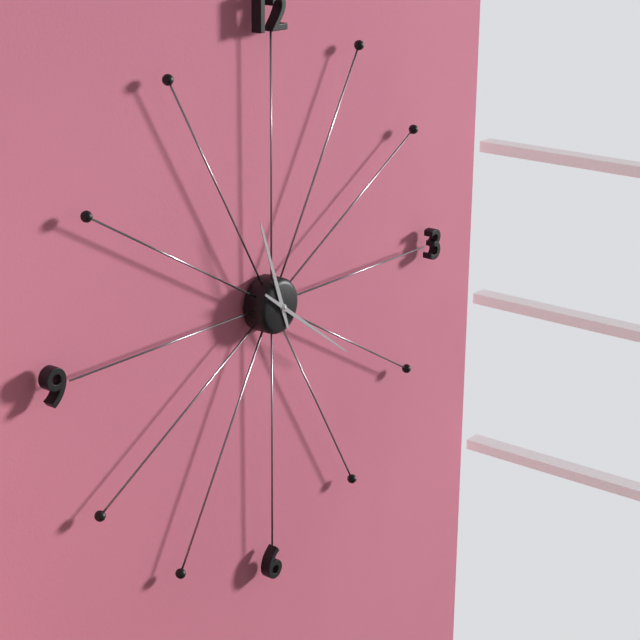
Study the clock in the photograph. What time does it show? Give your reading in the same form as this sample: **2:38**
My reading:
**11:21**
